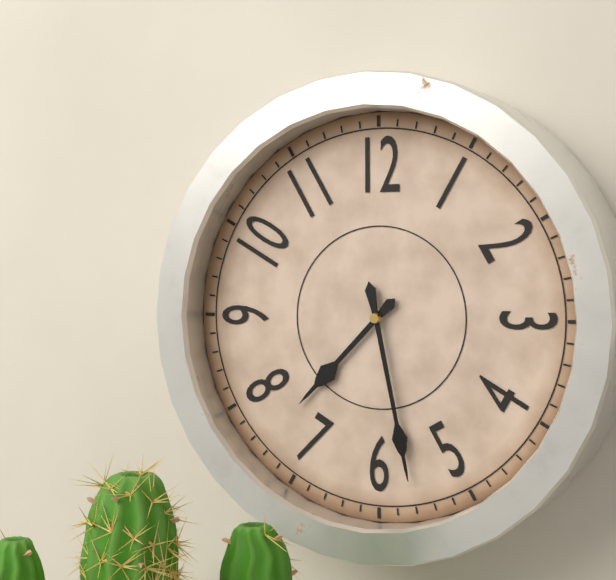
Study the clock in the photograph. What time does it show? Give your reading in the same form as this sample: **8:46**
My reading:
**7:28**
